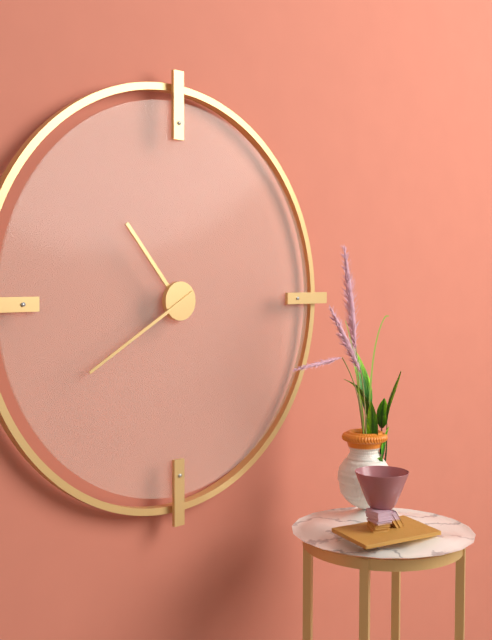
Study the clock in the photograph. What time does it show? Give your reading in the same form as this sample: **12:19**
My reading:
**10:40**
